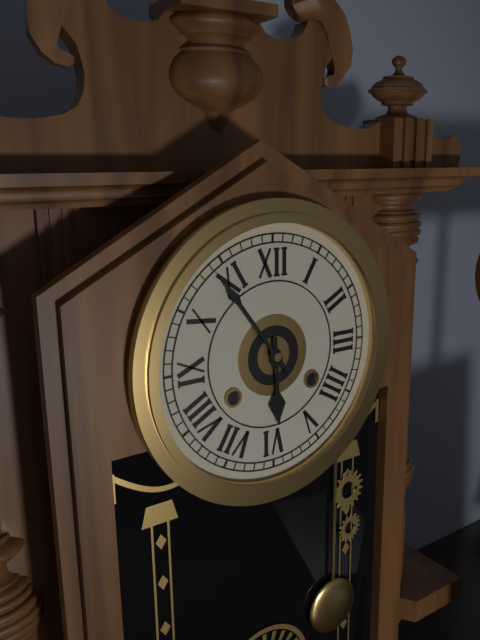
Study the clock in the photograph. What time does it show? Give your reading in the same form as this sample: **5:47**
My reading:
**5:54**
